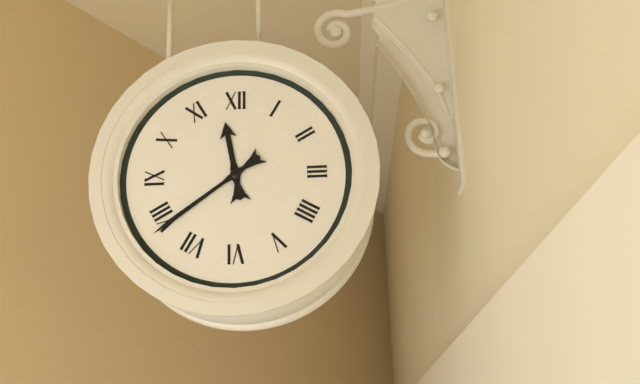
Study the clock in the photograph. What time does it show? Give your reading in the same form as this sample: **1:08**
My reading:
**11:39**
